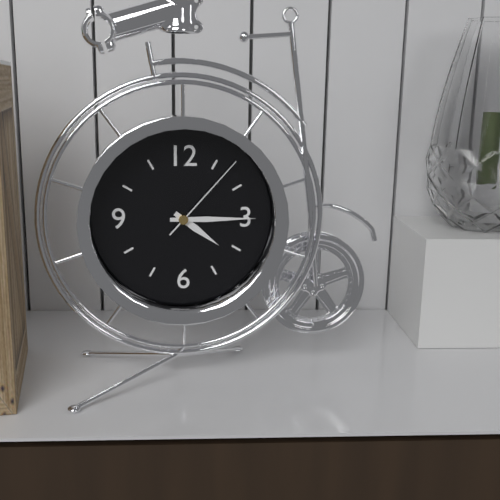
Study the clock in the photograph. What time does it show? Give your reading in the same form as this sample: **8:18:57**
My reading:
**4:15:07**
